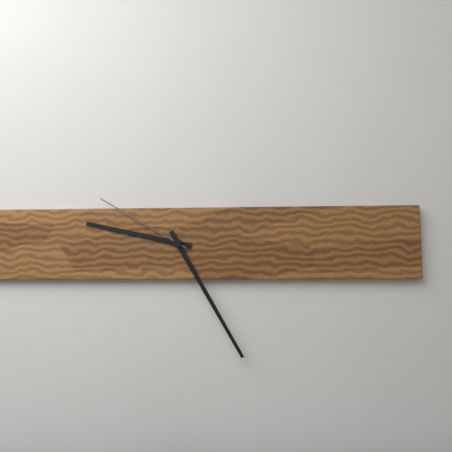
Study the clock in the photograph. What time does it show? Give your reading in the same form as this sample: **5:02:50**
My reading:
**9:25:50**
